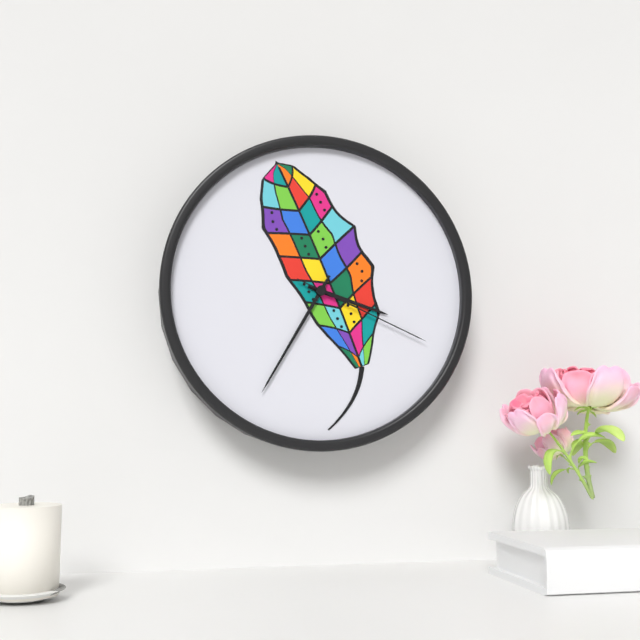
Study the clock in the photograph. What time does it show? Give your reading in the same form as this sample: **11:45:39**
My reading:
**3:35:19**
